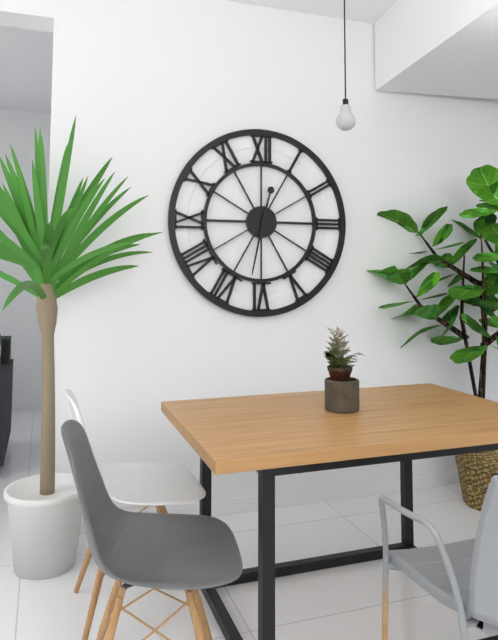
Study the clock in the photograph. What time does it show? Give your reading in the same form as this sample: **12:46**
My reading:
**12:32**
